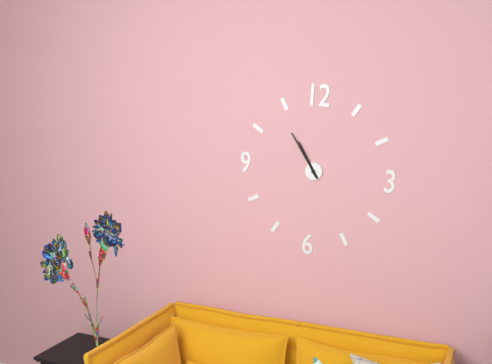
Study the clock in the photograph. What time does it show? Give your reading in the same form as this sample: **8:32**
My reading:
**10:54**
